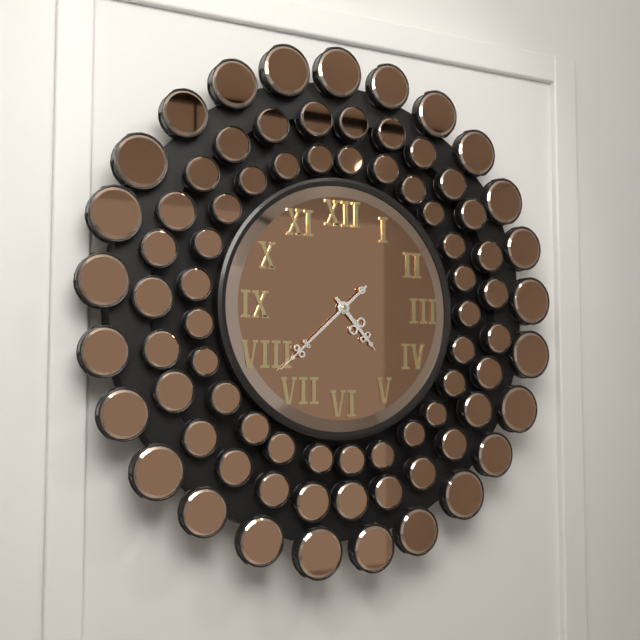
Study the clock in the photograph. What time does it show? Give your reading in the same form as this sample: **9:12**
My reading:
**4:38**
